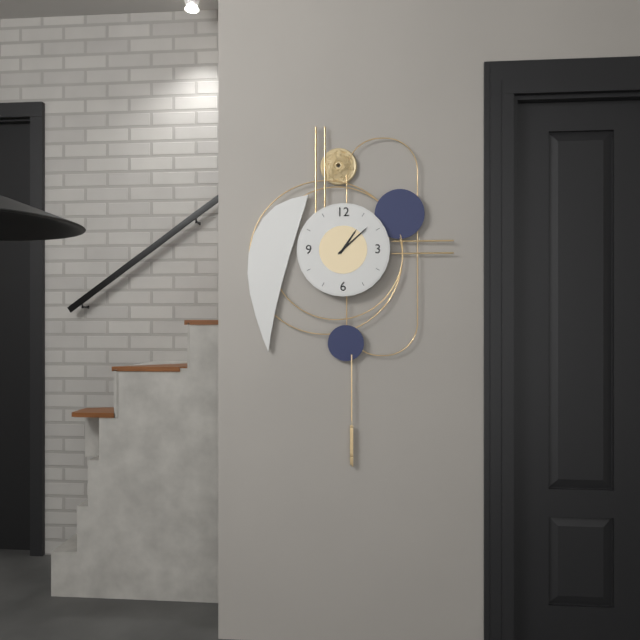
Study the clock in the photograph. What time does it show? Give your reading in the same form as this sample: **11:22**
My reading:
**1:08**
